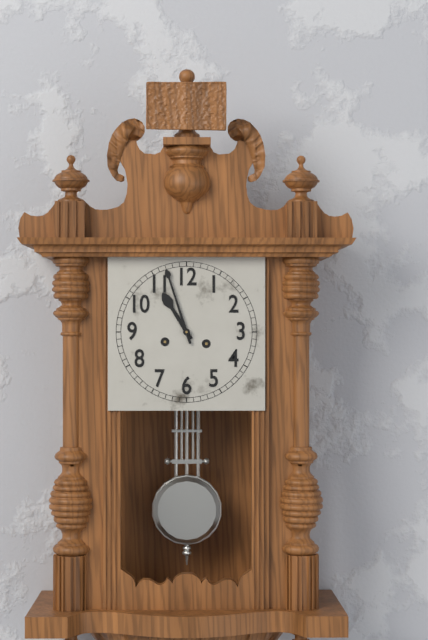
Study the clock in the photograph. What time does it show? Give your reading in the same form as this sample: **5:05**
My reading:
**10:57**
